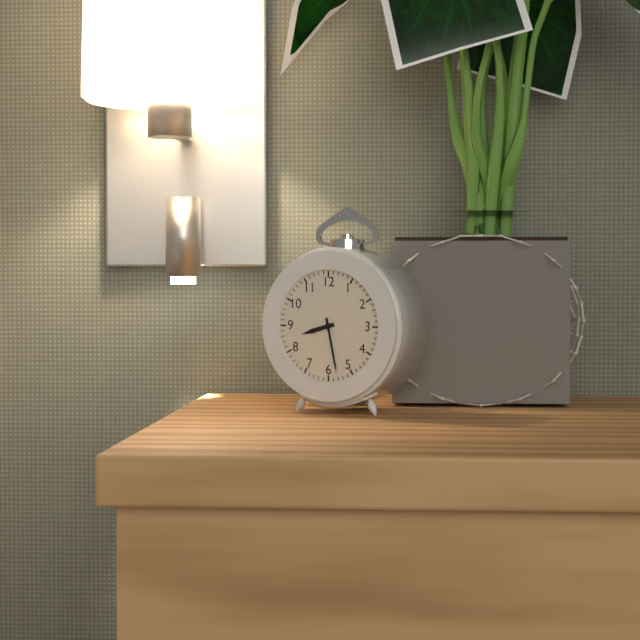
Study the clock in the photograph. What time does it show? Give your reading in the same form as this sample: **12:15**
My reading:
**8:28**
